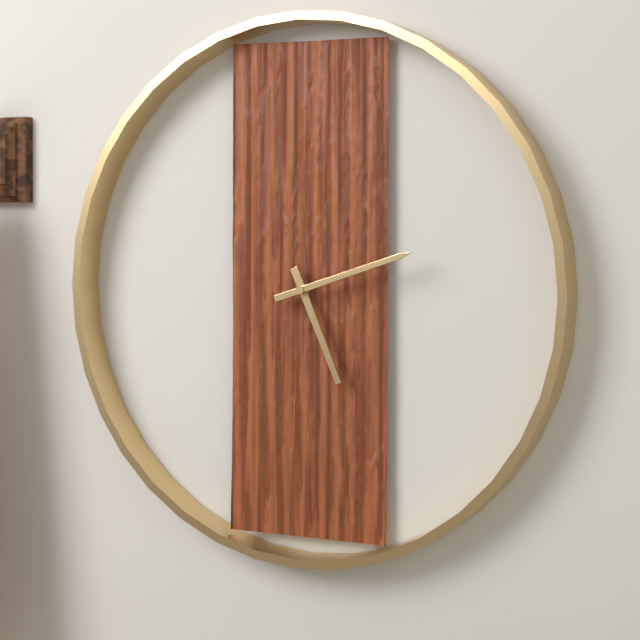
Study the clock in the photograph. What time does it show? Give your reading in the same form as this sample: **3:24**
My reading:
**5:12**
